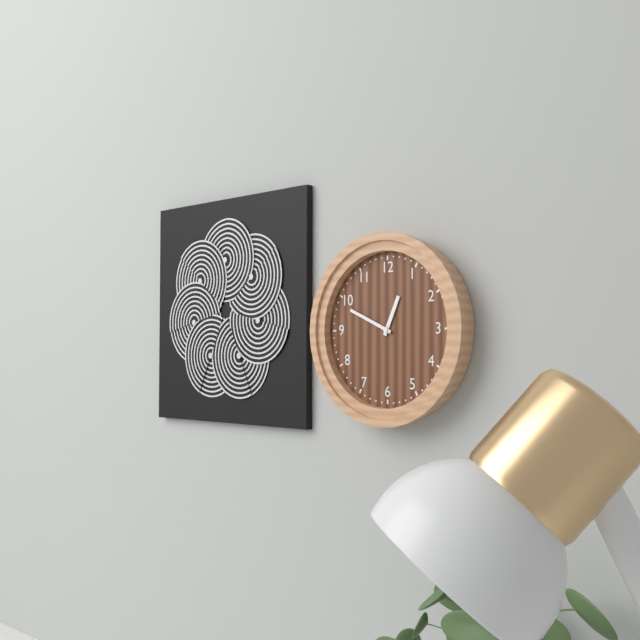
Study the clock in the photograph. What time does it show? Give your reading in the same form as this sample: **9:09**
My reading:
**12:49**
